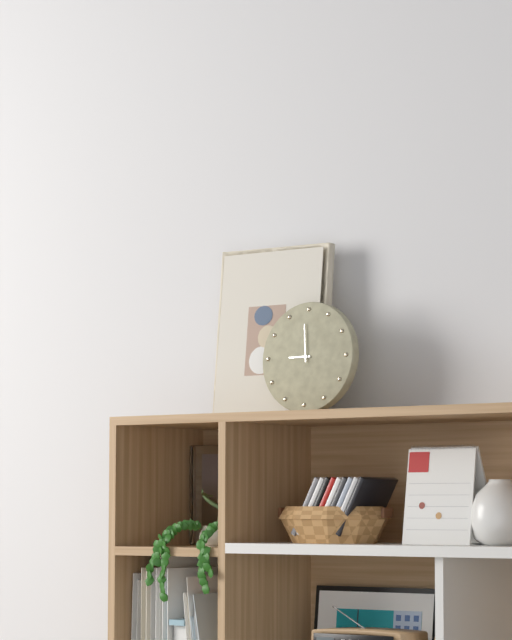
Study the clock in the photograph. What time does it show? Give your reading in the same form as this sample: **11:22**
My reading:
**8:59**
